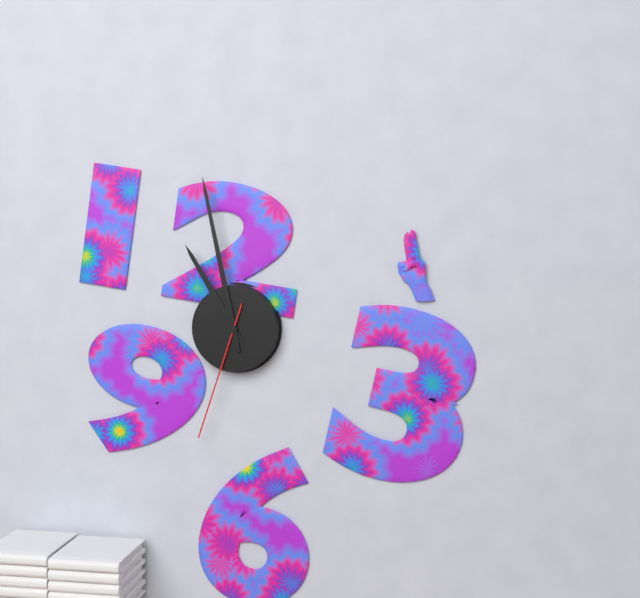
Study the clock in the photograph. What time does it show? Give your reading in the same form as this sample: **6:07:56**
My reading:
**10:58:33**
